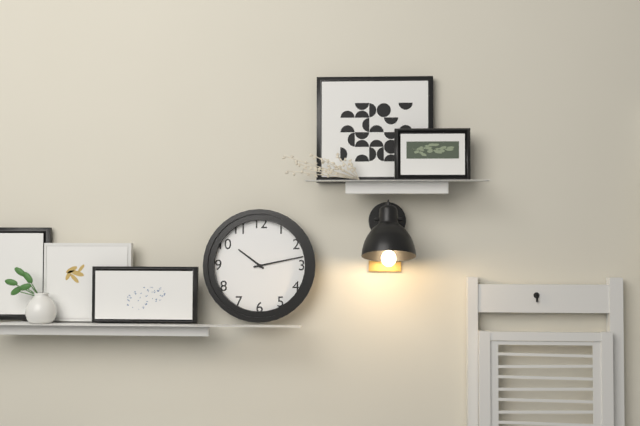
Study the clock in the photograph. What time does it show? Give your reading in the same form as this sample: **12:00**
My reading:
**10:13**
